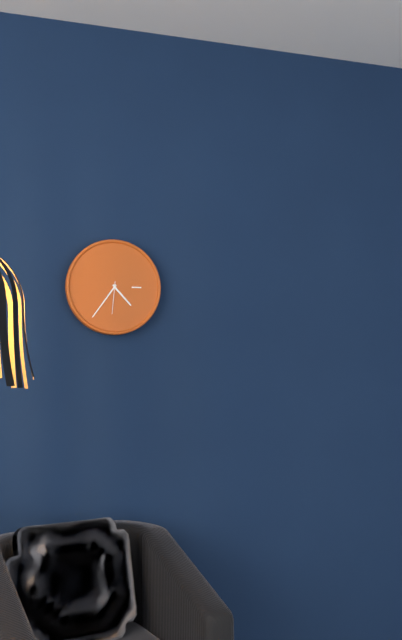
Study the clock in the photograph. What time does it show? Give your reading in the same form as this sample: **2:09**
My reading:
**4:36**
